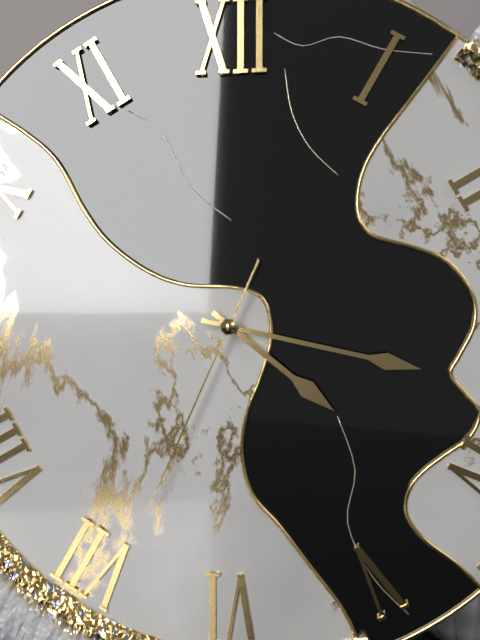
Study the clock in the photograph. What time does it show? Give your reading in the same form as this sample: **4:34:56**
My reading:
**4:17:34**
